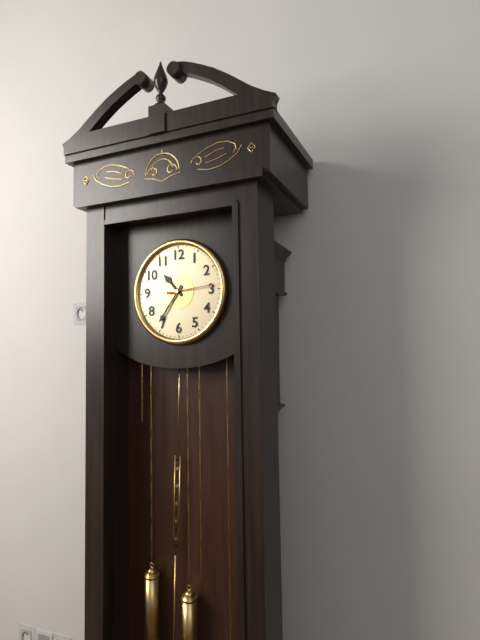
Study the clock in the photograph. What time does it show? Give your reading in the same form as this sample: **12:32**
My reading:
**10:36**
